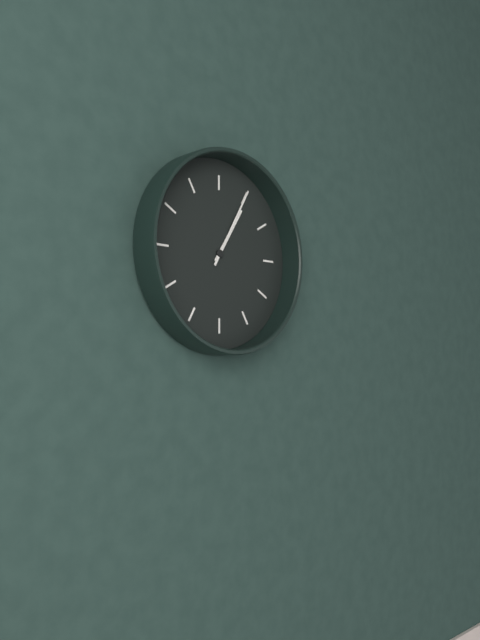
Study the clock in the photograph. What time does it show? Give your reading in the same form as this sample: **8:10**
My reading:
**1:05**
